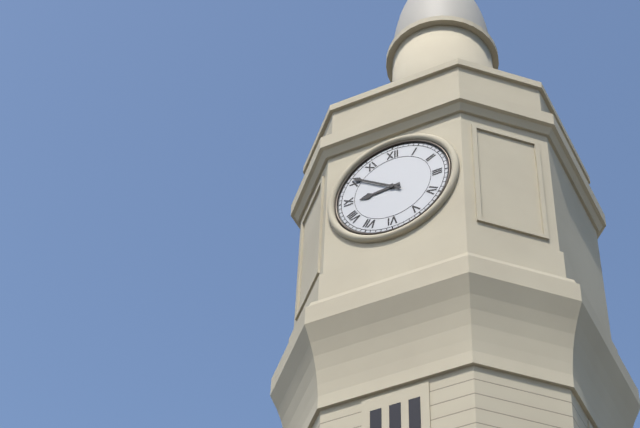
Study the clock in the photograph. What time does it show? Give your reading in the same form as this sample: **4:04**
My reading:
**8:51**
